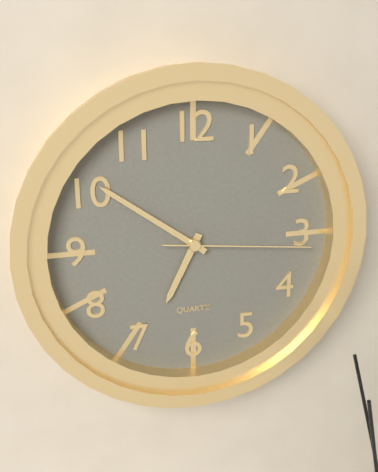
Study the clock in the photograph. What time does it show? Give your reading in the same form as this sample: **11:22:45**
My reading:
**6:51:16**
